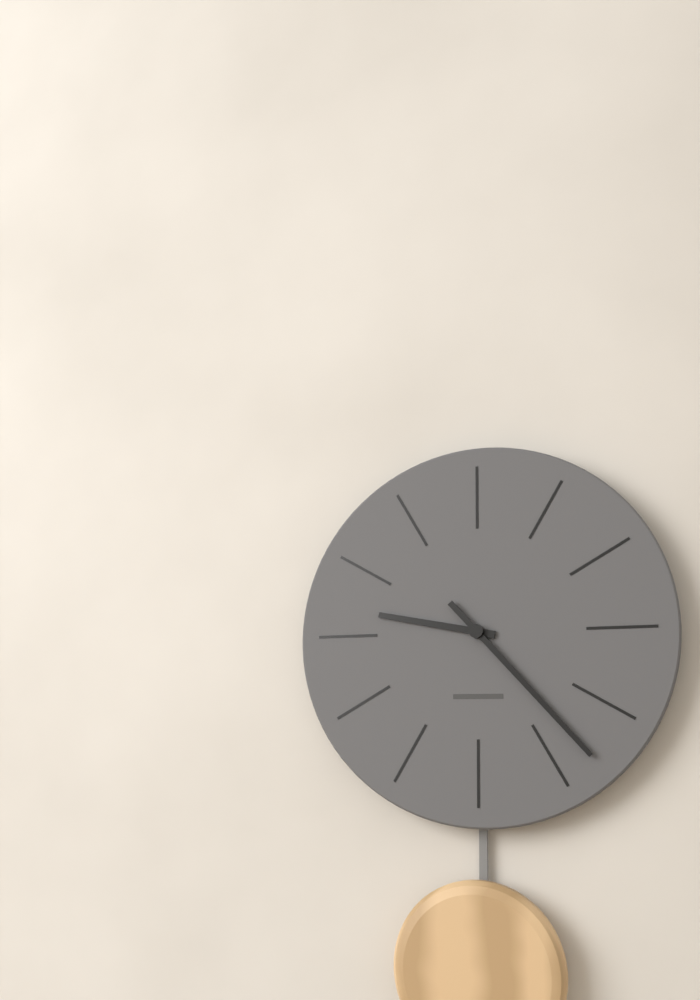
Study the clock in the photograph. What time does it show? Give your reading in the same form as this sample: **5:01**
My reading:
**9:23**
